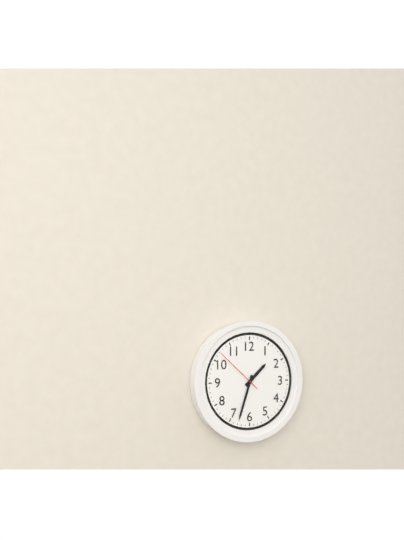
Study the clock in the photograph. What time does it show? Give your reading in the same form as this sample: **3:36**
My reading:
**1:33**
